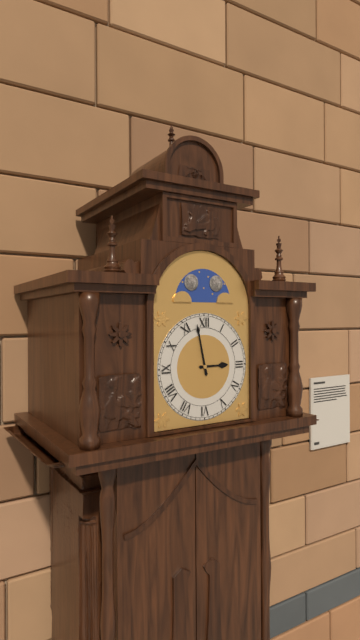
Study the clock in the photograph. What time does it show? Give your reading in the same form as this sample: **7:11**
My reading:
**2:58**
